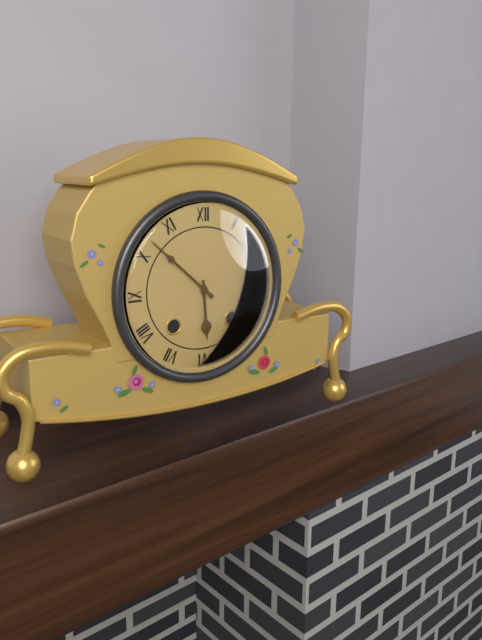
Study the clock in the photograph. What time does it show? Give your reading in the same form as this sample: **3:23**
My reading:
**5:52**
